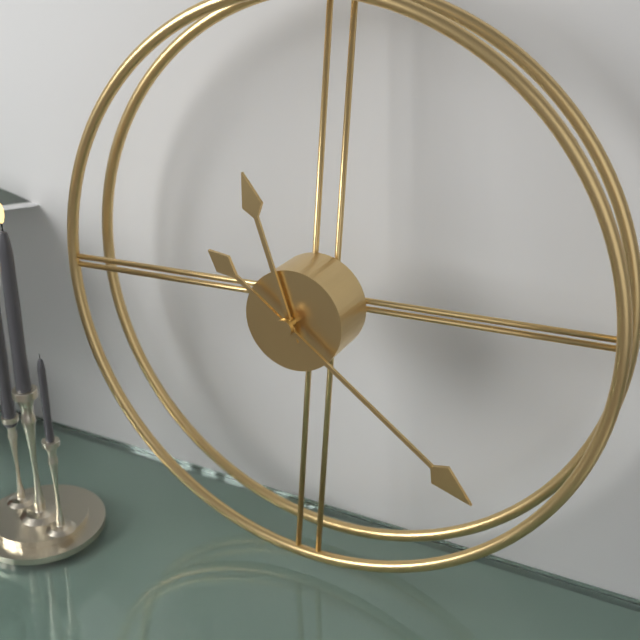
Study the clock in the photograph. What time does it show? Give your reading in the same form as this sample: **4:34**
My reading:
**11:21**
